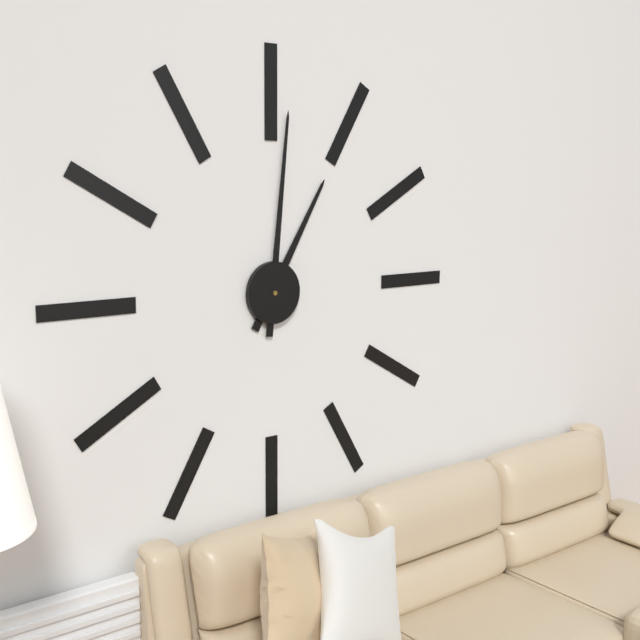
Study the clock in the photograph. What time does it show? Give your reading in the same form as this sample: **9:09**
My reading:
**1:01**
